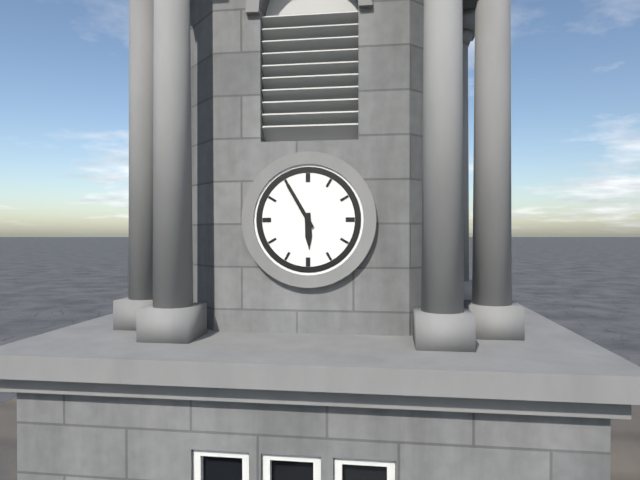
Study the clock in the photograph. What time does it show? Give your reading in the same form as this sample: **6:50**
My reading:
**5:55**
